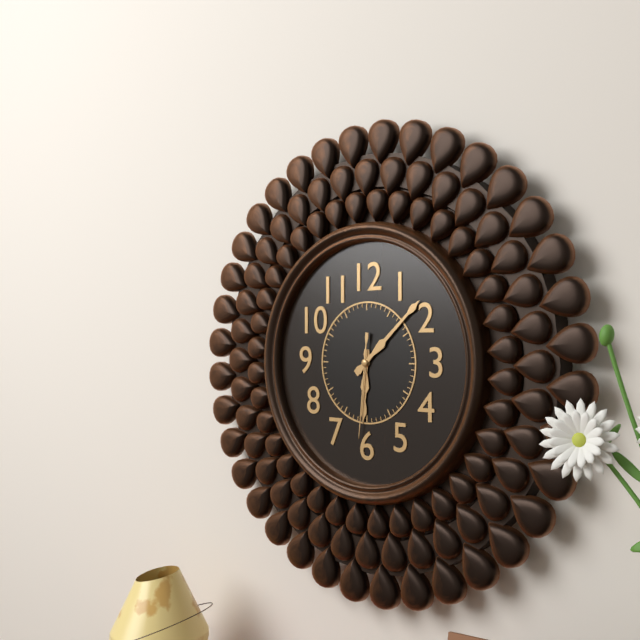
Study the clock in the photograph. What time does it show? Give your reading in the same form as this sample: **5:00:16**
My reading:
**6:08:31**
